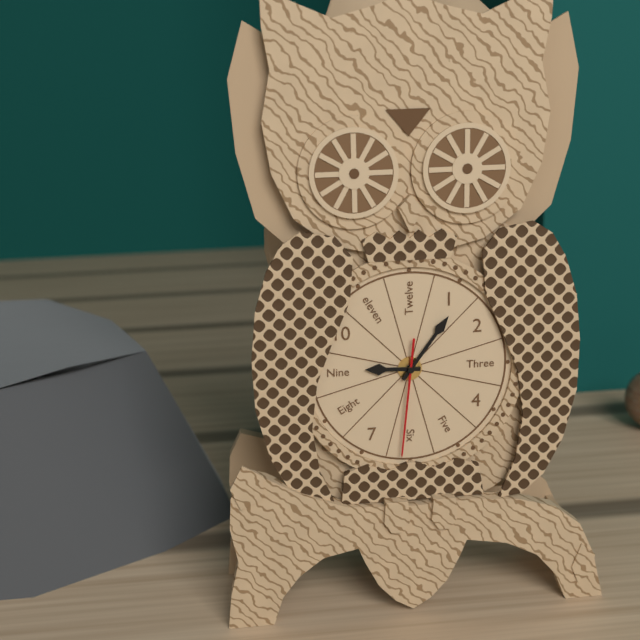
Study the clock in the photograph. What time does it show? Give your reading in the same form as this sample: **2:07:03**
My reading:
**9:06:31**
